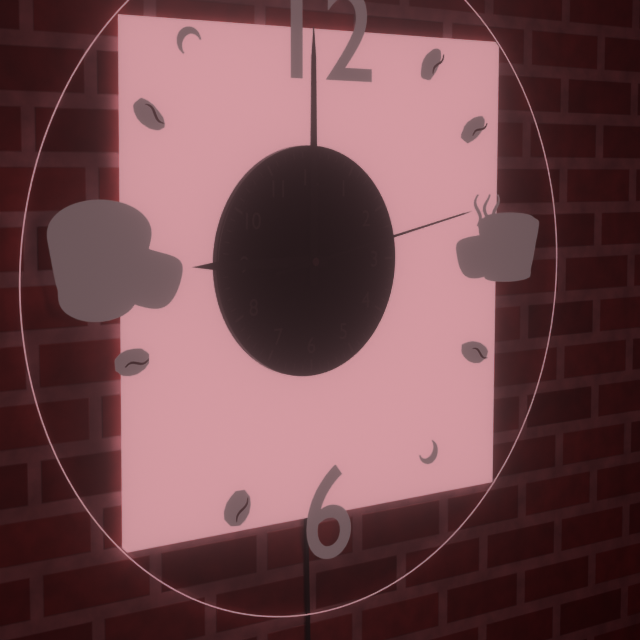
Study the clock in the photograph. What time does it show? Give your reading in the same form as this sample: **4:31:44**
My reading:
**9:00:13**
